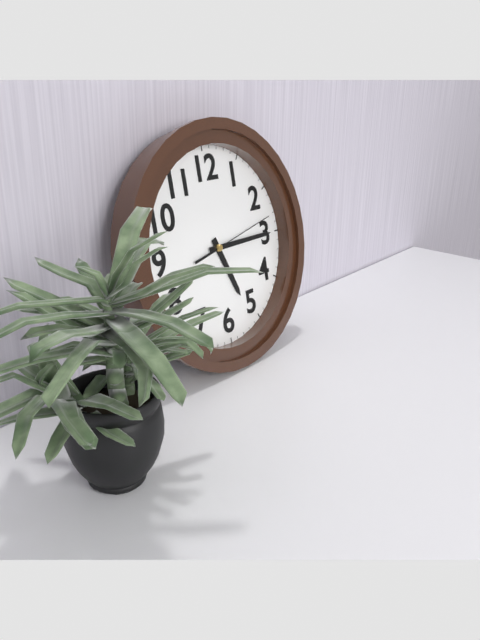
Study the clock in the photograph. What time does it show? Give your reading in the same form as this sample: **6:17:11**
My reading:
**5:15:13**
